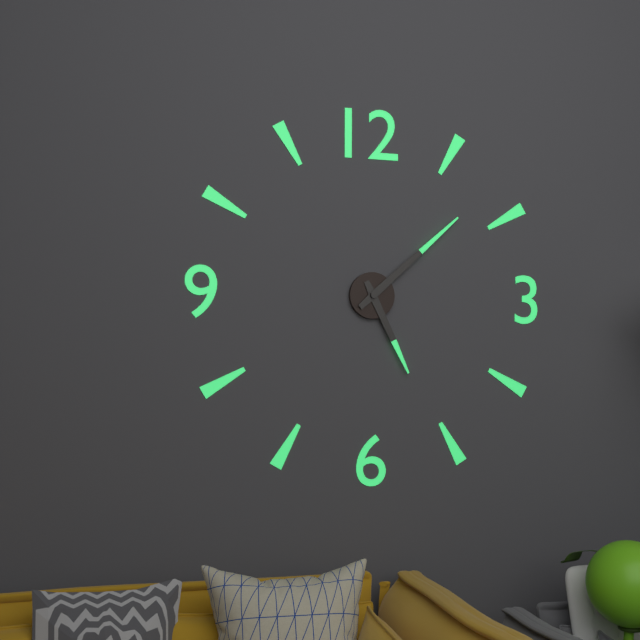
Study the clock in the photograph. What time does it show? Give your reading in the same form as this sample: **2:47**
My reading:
**5:08**
